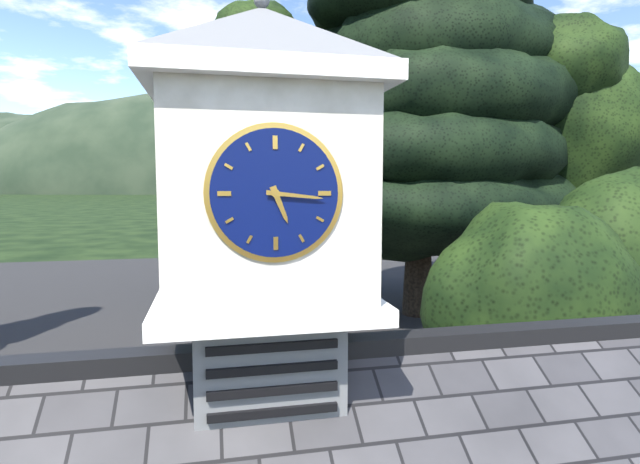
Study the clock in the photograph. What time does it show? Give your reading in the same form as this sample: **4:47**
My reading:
**5:16**
